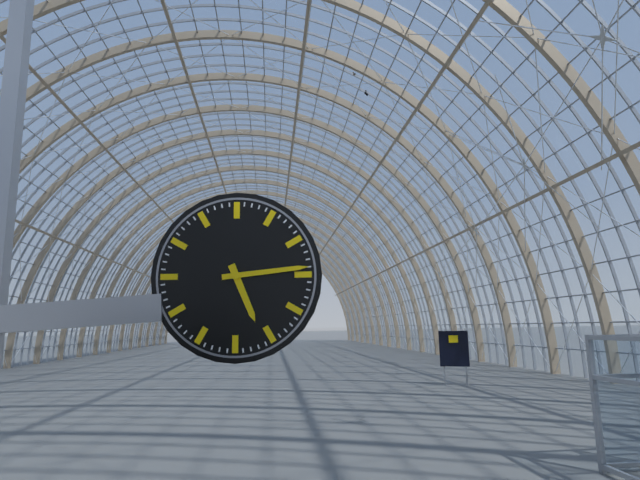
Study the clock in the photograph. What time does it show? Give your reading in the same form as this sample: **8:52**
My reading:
**5:14**
